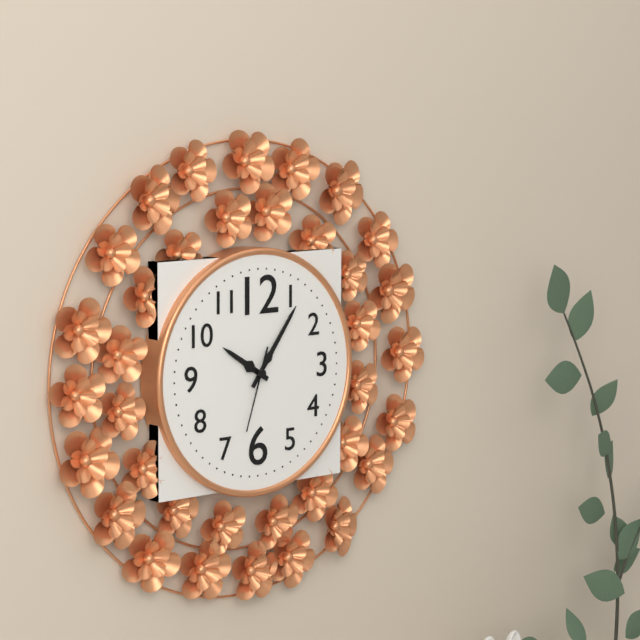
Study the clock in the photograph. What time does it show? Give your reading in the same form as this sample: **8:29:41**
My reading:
**10:06:33**
